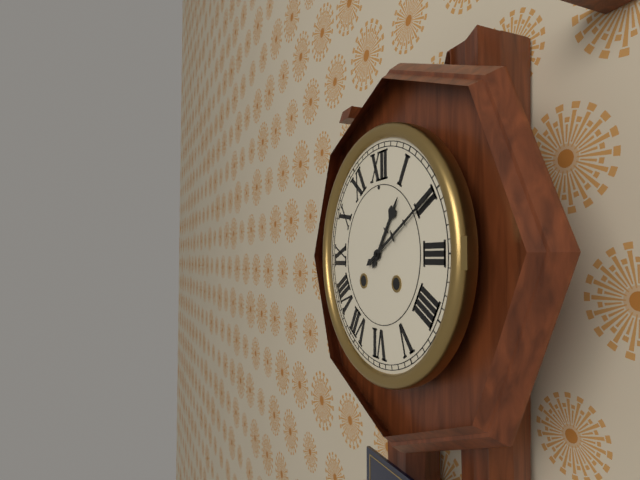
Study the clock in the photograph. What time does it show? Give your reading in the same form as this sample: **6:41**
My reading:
**1:10**
